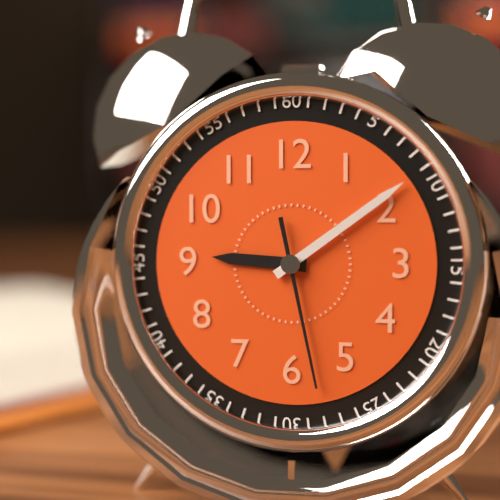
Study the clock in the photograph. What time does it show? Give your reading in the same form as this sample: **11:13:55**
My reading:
**9:09:28**
